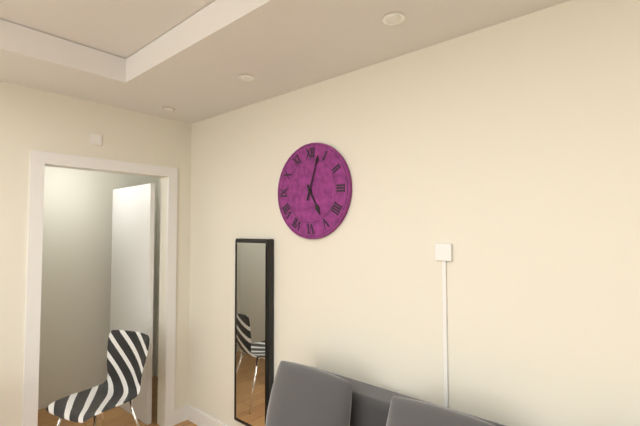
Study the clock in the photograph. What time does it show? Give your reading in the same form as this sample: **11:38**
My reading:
**5:03**
